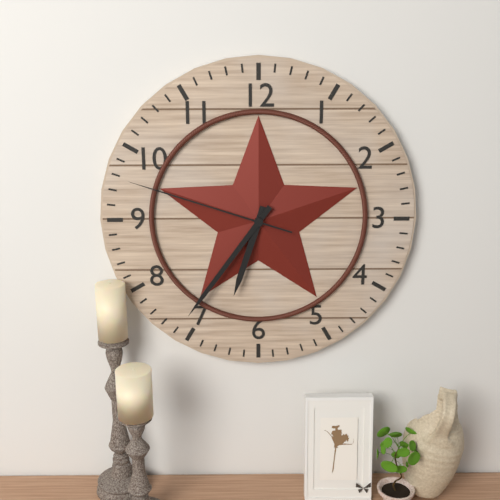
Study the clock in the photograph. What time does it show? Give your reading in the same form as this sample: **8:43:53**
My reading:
**6:36:48**
